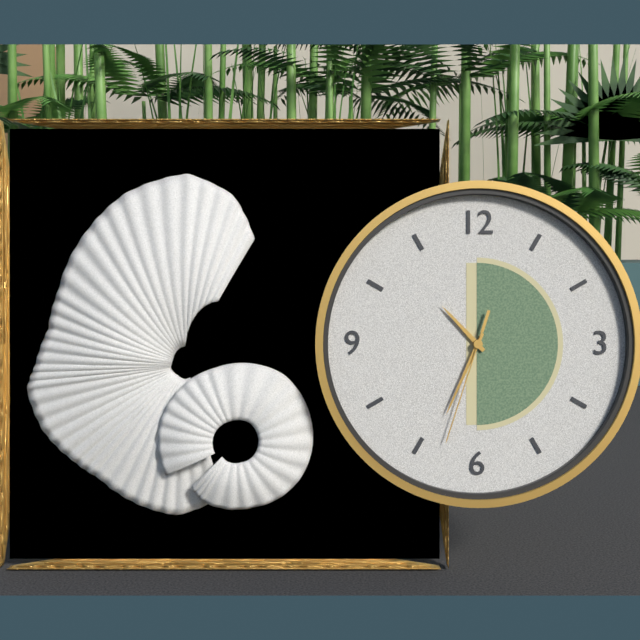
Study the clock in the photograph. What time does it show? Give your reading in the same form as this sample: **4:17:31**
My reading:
**10:34:33**
